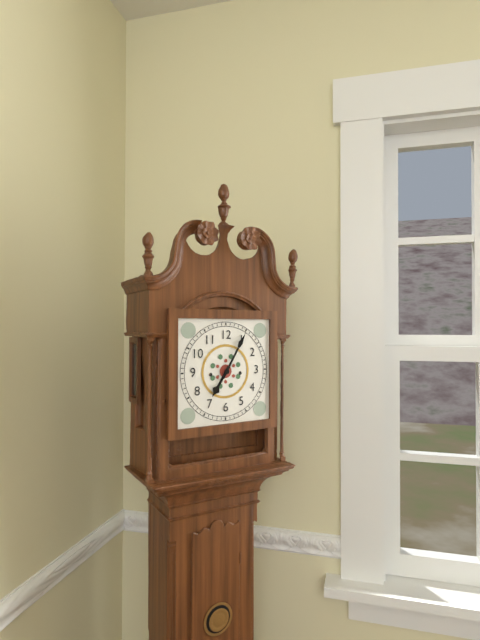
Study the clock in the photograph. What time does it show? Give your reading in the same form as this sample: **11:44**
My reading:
**7:05**
